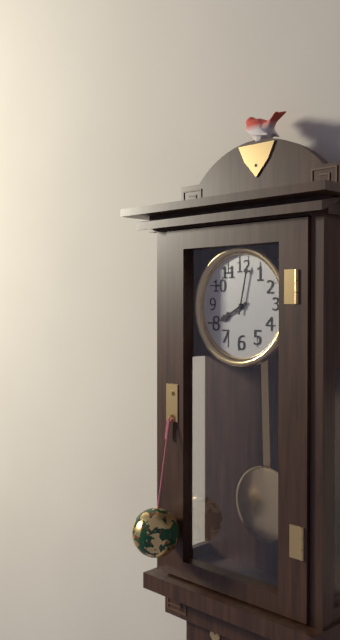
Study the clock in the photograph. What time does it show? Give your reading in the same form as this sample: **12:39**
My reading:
**8:02**
